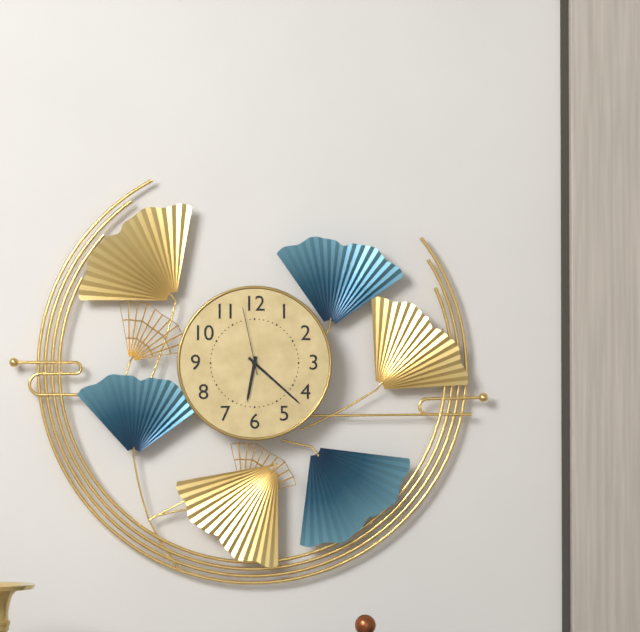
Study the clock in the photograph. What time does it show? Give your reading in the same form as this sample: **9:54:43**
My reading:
**6:22:58**
